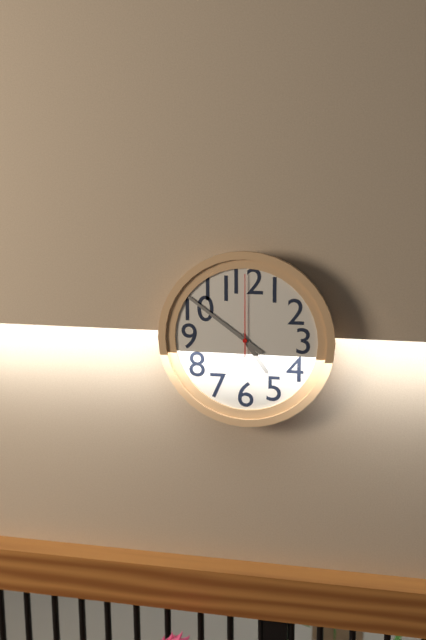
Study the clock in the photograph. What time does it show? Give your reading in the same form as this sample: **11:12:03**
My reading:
**4:51:00**
